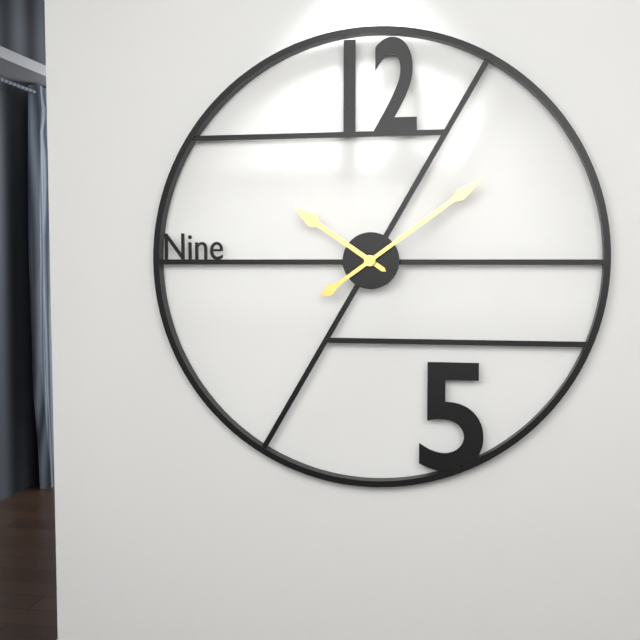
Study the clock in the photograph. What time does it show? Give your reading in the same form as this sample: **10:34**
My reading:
**10:09**
